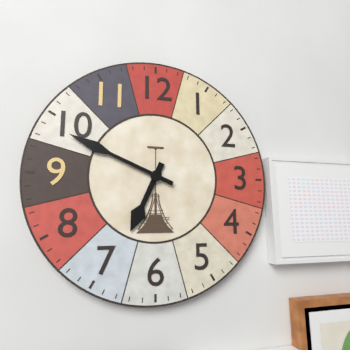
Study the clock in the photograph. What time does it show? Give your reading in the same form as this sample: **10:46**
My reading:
**6:49**
